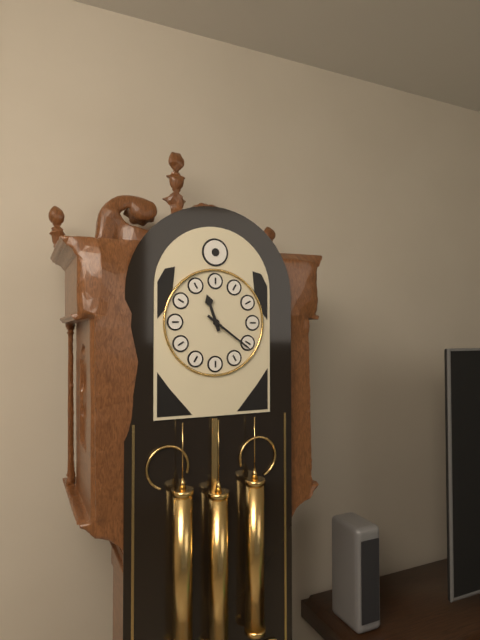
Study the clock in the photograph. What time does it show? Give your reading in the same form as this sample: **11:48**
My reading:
**11:21**
